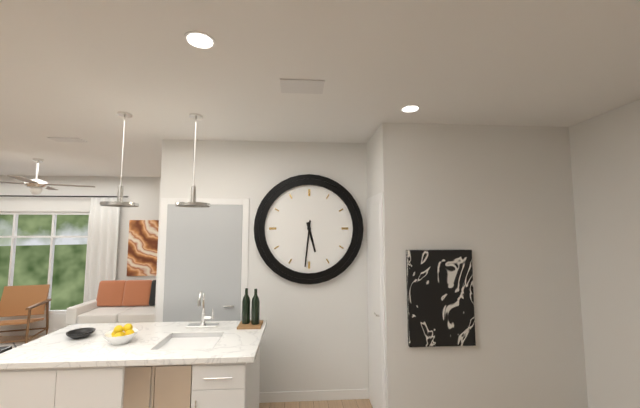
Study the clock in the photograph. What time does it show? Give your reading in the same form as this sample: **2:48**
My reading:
**5:31**
